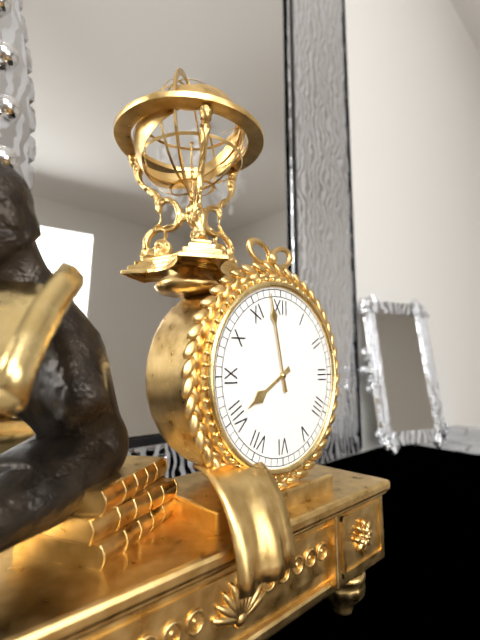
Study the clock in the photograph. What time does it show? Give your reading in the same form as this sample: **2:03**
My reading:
**7:58**
